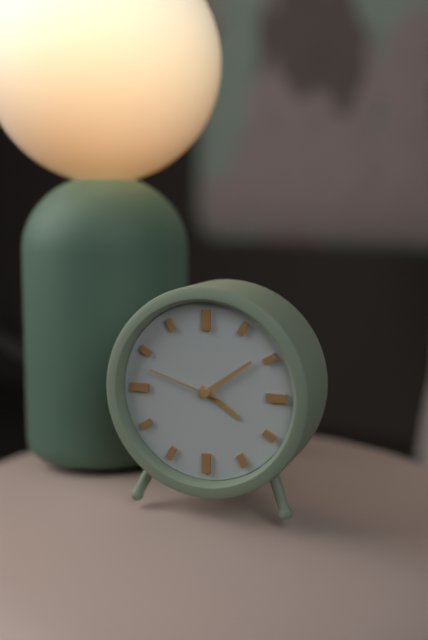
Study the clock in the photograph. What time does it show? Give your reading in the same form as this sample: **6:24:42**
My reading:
**4:09:48**
